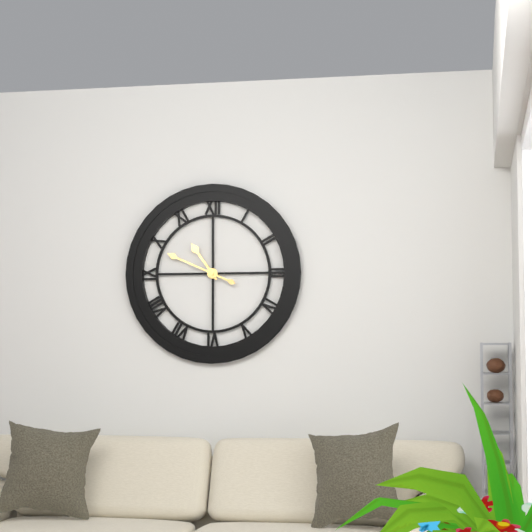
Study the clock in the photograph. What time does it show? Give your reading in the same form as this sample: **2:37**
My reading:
**10:49**
